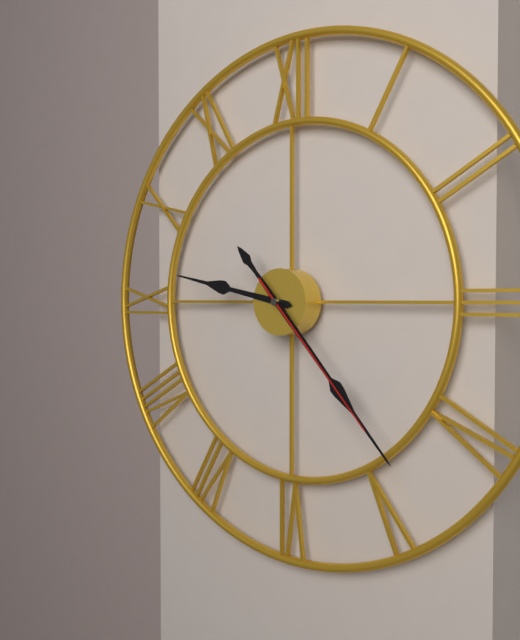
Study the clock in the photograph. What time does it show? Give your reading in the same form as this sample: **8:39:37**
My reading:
**9:23:23**
